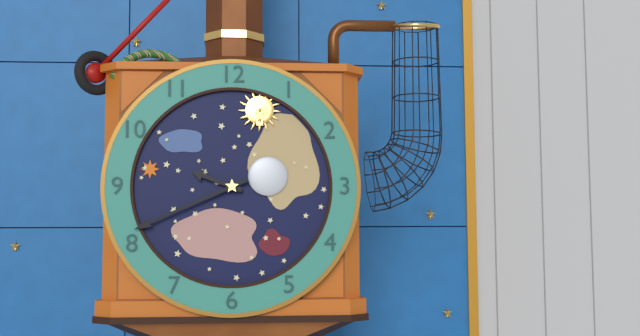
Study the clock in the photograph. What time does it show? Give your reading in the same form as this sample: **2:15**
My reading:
**9:41**
